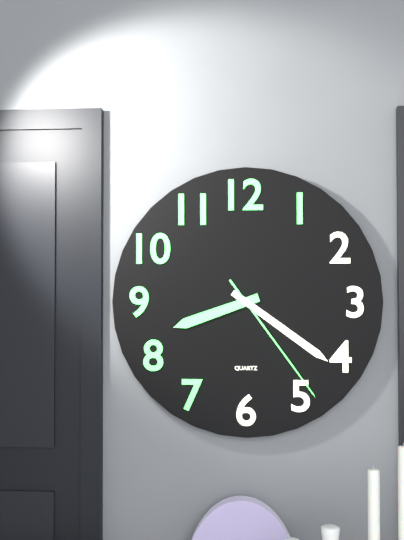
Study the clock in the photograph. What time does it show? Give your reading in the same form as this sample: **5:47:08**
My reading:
**8:21:24**
